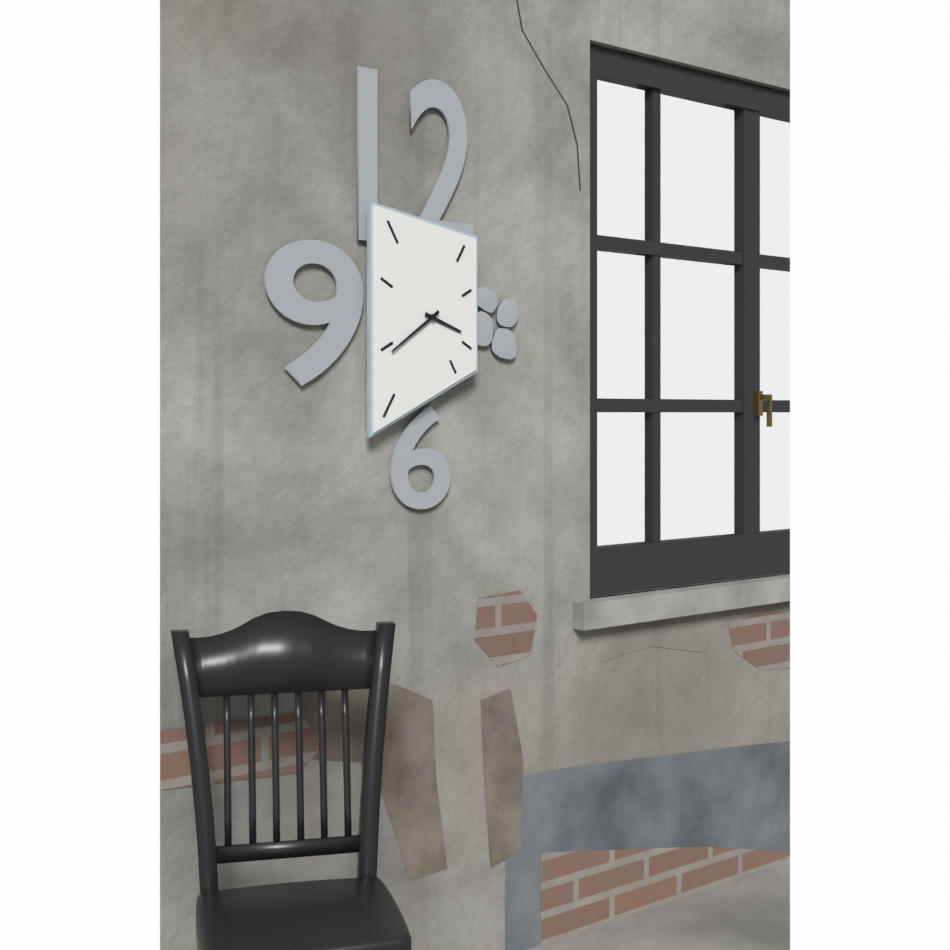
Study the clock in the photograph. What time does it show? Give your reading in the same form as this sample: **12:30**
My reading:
**3:39**
